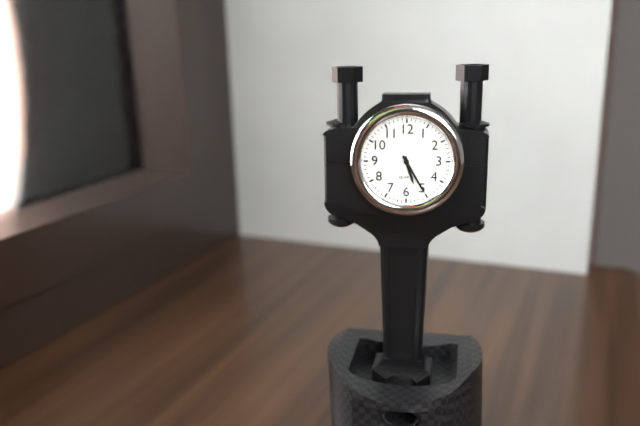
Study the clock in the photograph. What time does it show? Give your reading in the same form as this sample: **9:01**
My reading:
**5:25**
